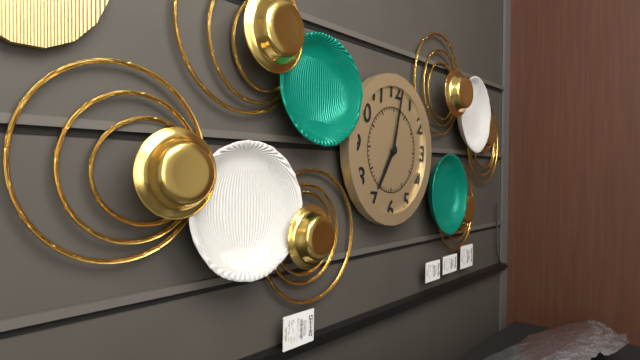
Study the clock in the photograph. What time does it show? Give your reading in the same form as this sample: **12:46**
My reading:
**7:02**
